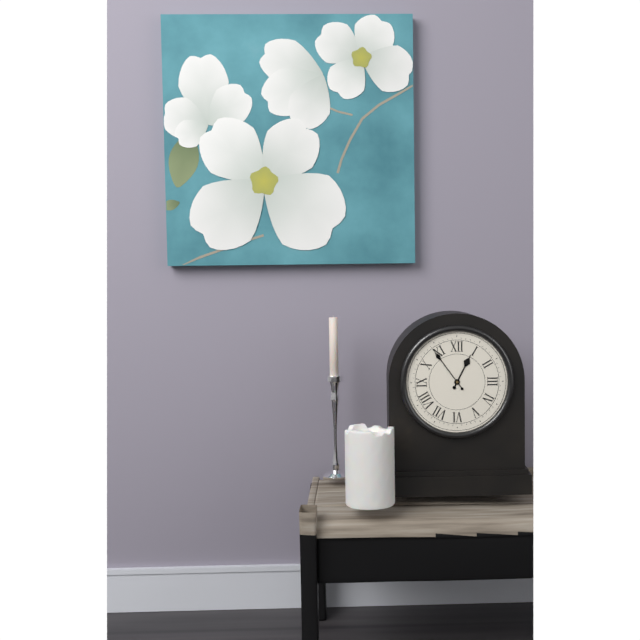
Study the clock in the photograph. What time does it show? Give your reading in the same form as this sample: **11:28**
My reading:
**12:54**
